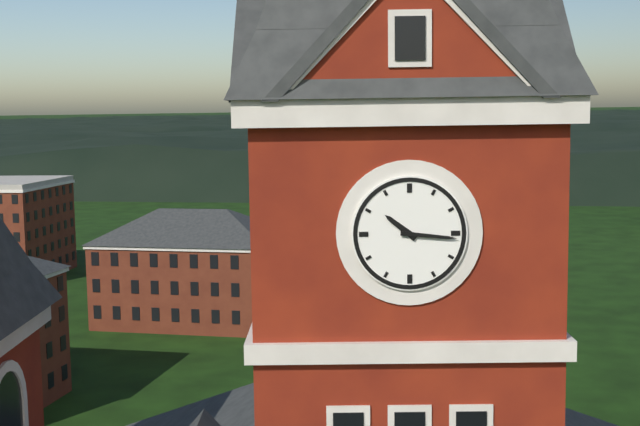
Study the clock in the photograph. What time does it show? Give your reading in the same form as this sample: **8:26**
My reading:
**10:16**
